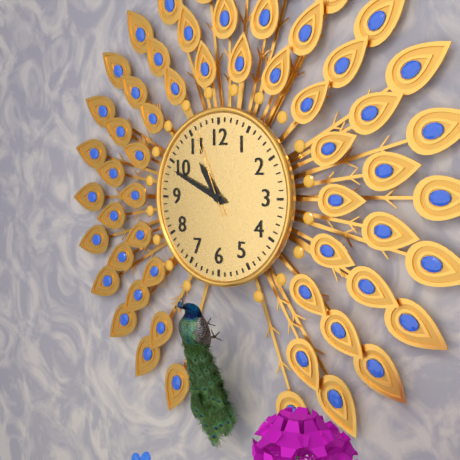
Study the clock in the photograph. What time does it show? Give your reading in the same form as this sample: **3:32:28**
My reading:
**10:49:56**
